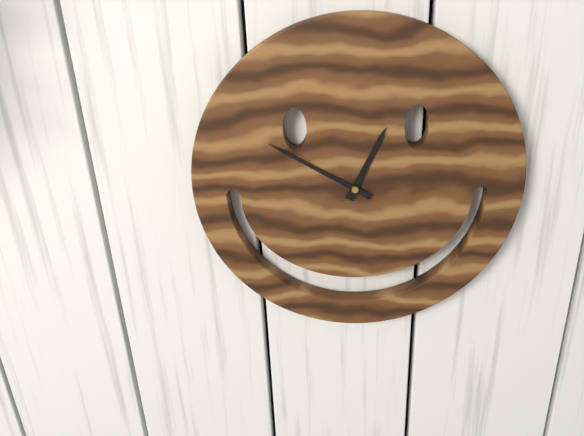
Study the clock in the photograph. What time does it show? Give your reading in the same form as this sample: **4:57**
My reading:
**12:50**
